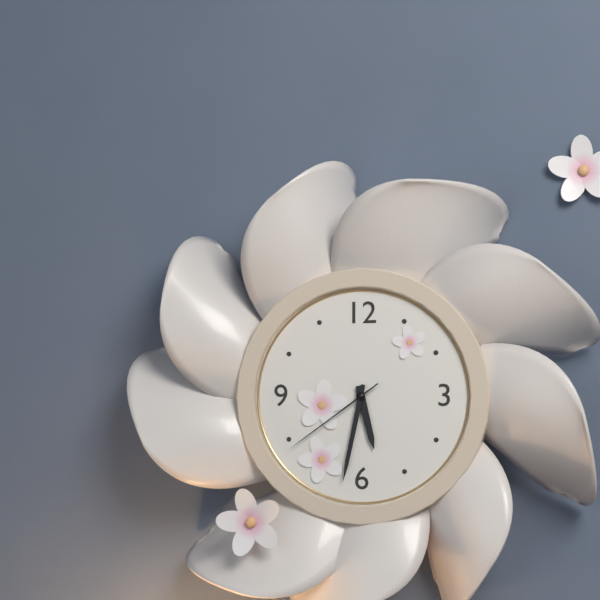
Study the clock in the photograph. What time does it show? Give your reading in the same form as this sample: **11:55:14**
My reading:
**5:32:39**
